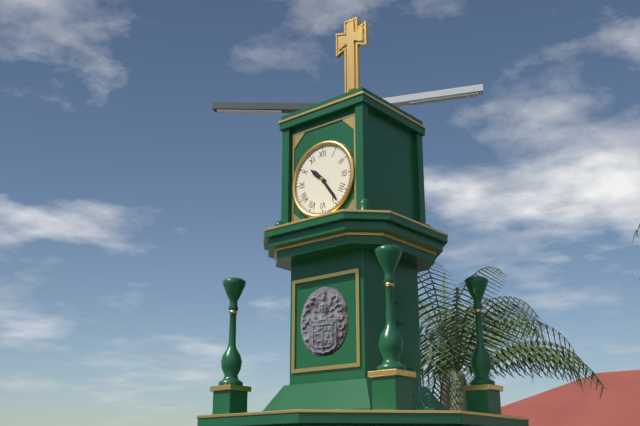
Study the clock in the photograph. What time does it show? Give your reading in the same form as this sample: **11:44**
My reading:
**10:24**
